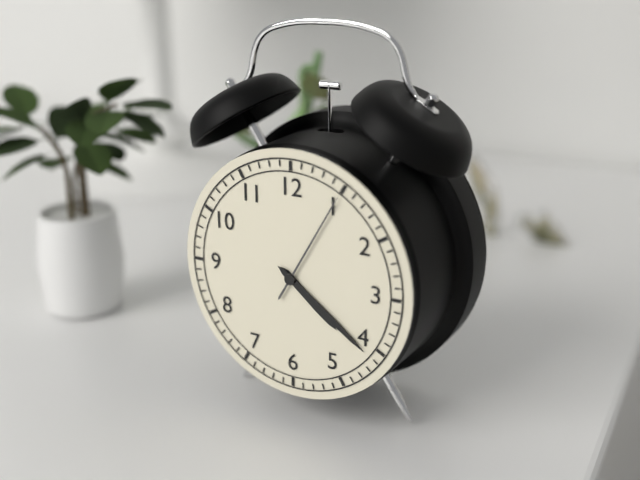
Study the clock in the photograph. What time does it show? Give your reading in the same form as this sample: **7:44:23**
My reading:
**4:21:05**
